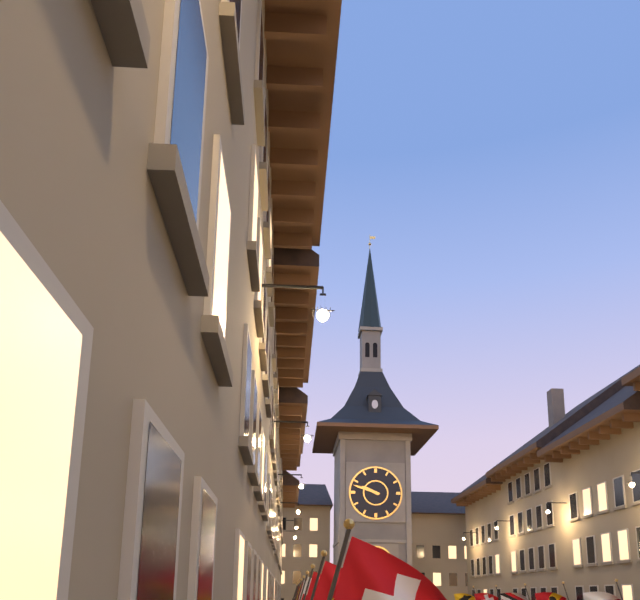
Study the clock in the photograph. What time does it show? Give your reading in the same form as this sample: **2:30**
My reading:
**9:48**
